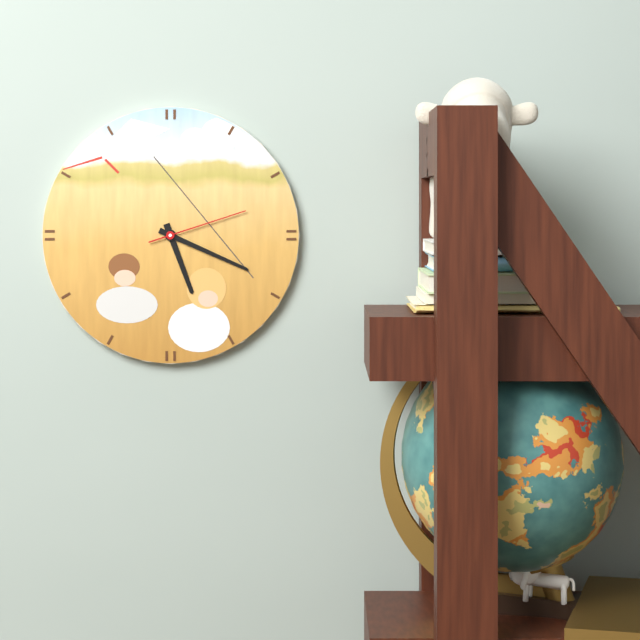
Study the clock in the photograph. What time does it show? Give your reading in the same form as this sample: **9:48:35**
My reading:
**5:19:12**
